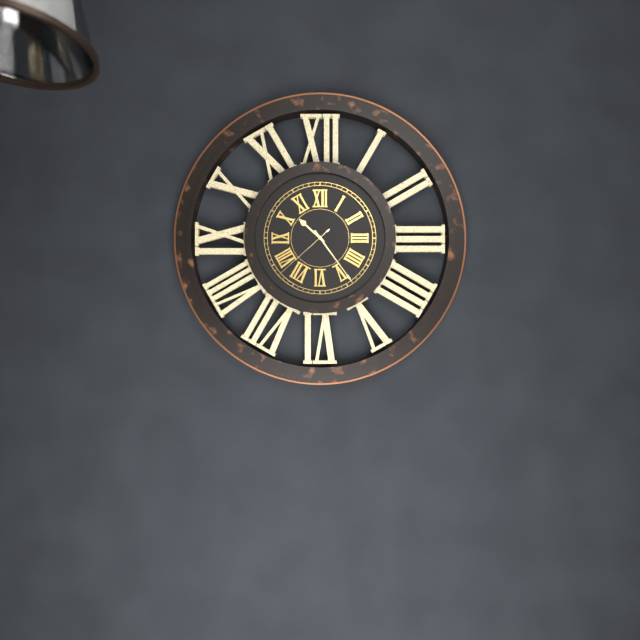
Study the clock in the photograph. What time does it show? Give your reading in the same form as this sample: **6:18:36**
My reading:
**10:24:38**
